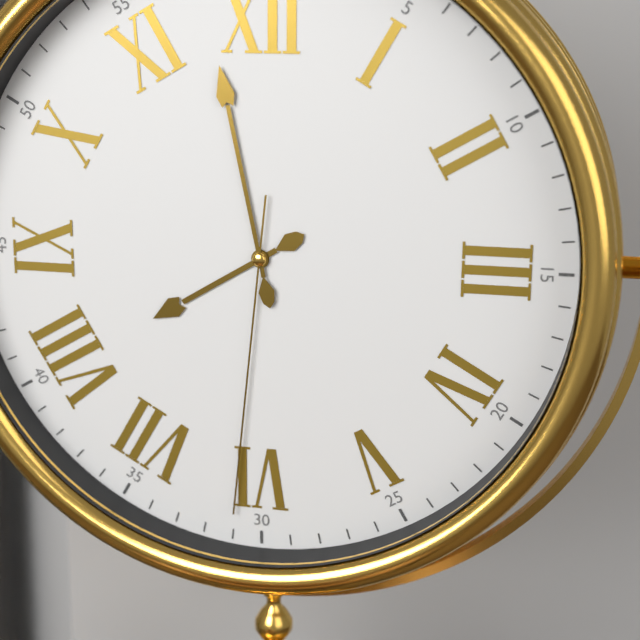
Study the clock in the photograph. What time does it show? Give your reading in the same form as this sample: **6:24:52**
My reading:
**7:58:31**
